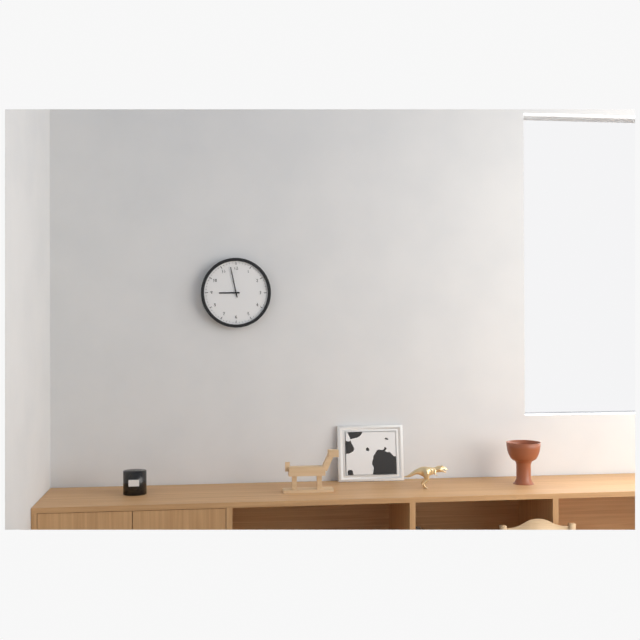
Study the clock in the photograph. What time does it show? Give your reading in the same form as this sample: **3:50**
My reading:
**8:58**
